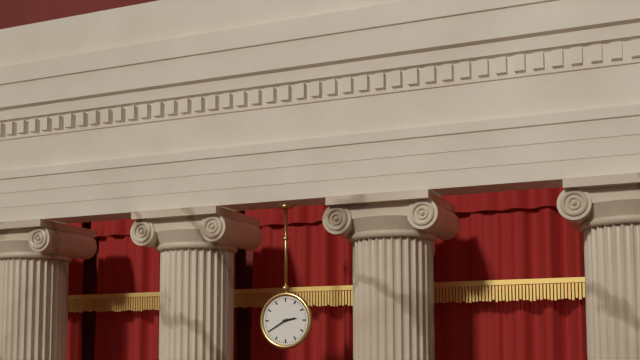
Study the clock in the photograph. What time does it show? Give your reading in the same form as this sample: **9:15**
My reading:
**2:40**
